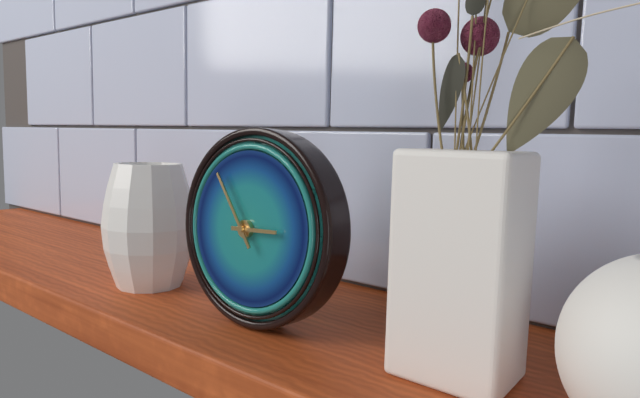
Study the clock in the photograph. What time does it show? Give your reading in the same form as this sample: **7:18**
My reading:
**2:54**
